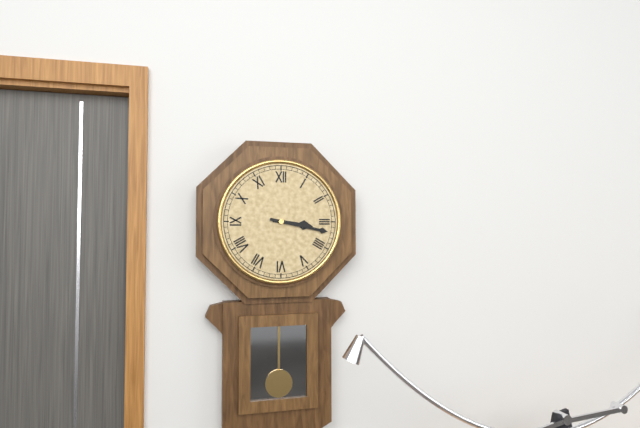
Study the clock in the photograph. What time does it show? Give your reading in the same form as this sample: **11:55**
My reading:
**3:17**
